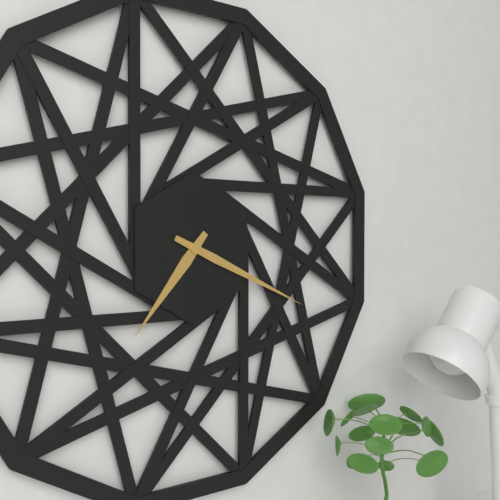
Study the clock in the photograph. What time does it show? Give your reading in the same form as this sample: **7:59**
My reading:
**7:19**
